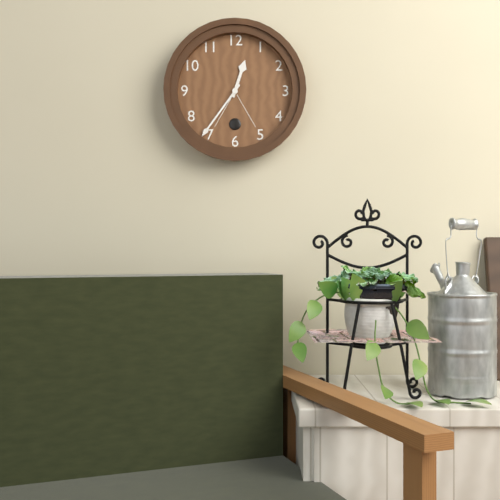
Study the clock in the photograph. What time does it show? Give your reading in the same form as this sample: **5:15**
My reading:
**12:36**
